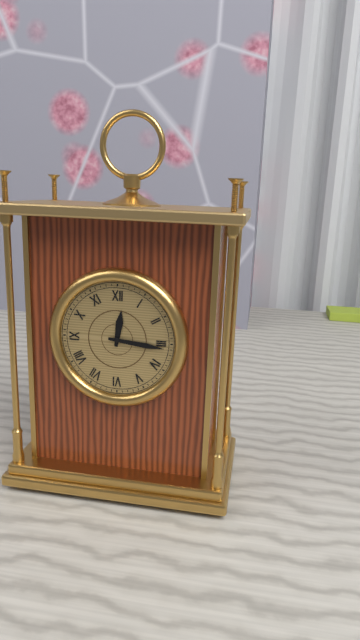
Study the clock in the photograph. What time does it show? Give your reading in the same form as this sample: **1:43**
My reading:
**12:16**
